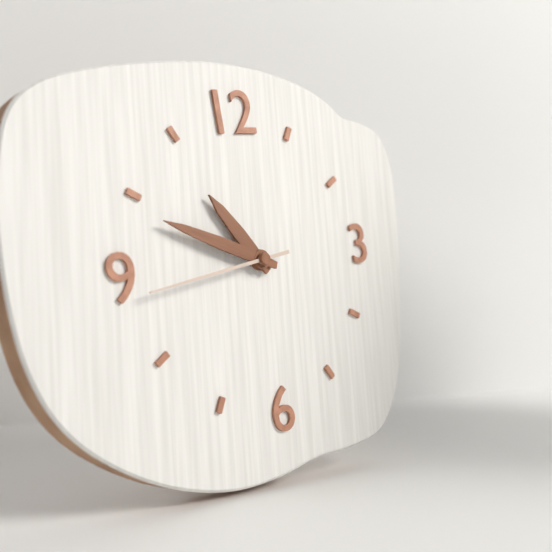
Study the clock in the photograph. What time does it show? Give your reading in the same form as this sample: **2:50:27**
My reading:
**10:49:44**
